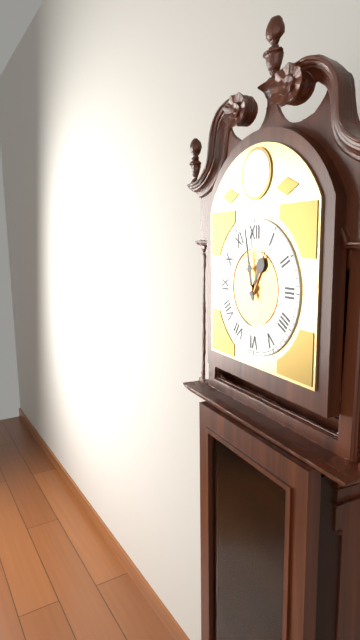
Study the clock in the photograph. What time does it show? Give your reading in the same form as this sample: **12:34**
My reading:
**12:58**
